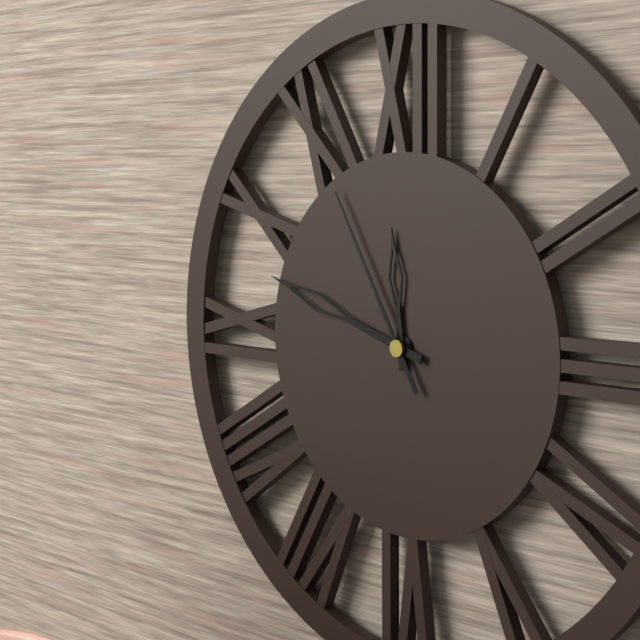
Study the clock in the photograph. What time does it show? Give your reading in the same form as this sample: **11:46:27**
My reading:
**11:48:55**
